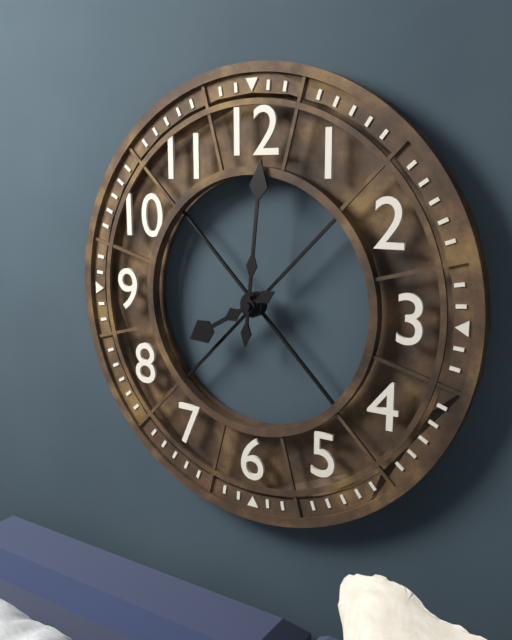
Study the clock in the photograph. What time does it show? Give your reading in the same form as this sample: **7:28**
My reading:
**8:01**
